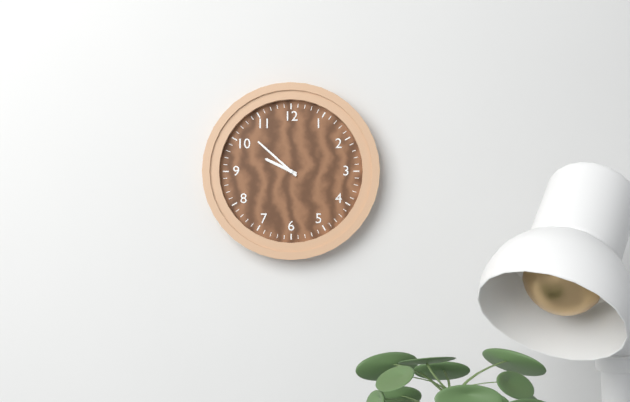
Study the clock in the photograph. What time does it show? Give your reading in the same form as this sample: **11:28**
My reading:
**9:52**
